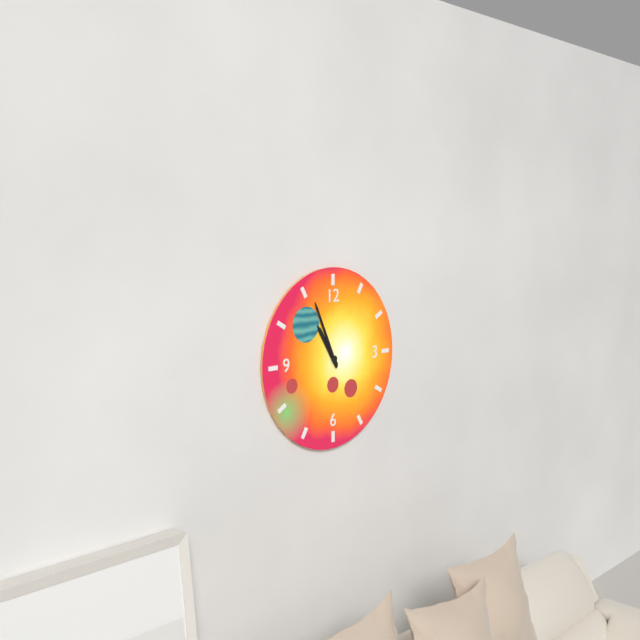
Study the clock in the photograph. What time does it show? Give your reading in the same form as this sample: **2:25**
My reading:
**10:56**
